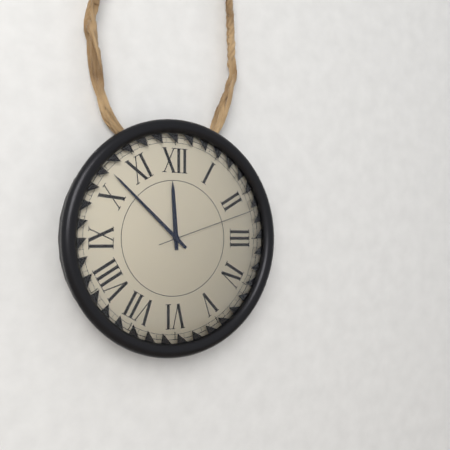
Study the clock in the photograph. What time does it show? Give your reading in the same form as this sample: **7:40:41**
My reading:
**11:52:12**
